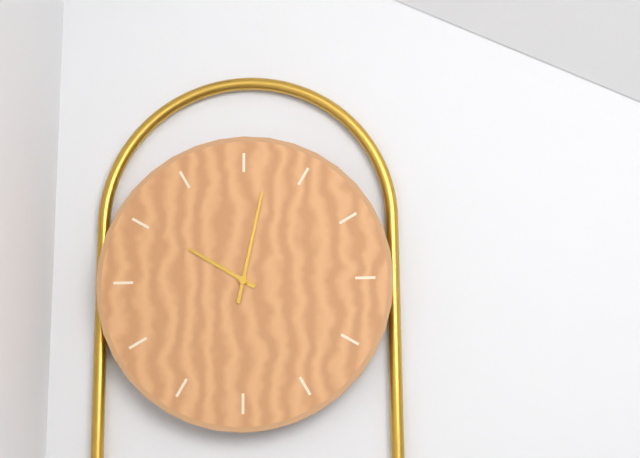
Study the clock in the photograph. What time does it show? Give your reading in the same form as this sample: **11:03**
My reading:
**10:02**
